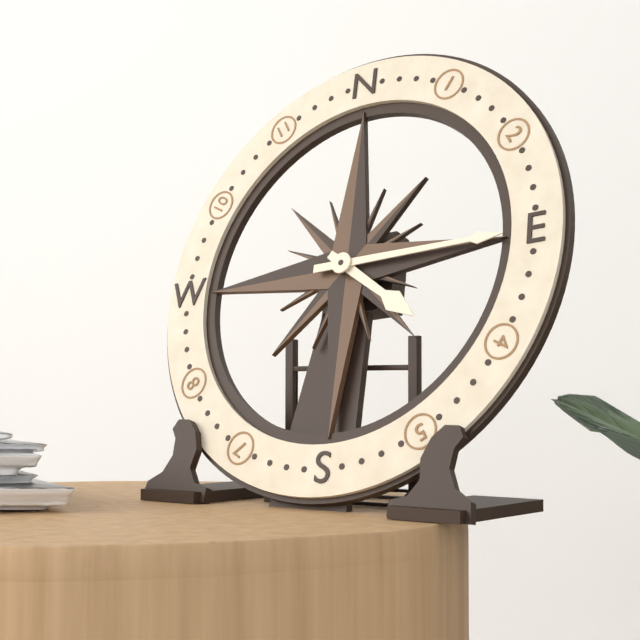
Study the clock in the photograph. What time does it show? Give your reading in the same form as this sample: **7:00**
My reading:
**4:15**
